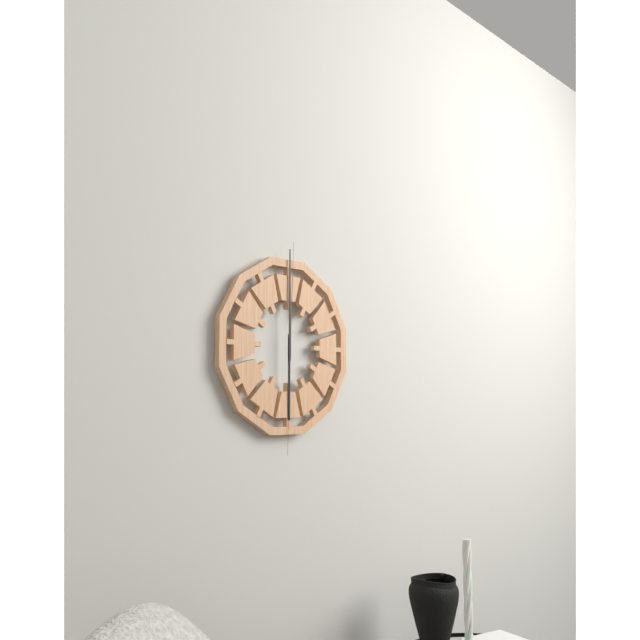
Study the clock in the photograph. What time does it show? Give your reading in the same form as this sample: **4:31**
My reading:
**6:00**
